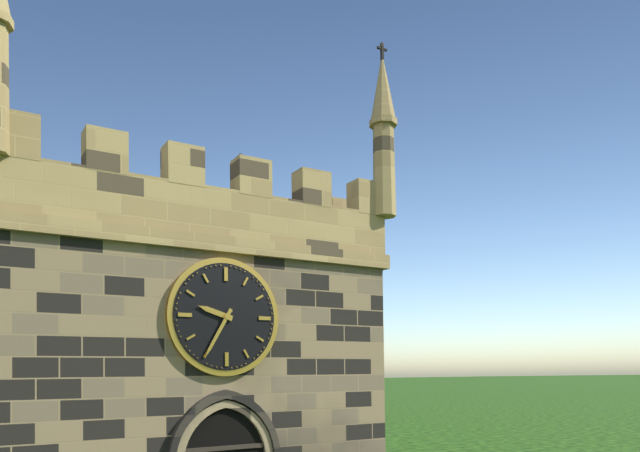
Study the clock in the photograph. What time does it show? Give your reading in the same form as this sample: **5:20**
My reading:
**9:35**
